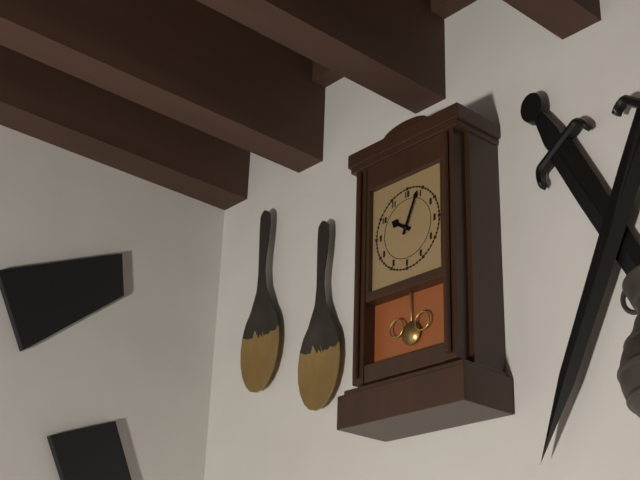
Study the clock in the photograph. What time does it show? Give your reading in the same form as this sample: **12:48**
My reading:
**10:04**
